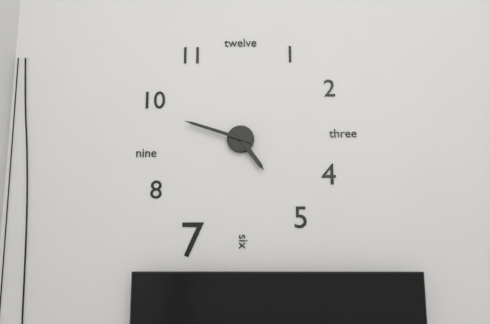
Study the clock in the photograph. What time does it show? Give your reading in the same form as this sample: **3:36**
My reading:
**4:48**
